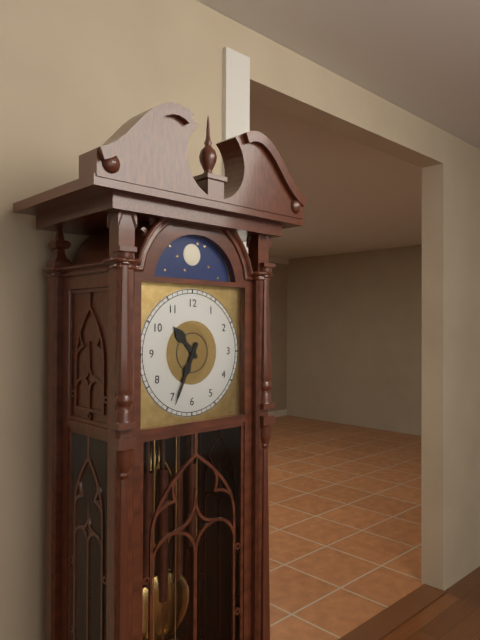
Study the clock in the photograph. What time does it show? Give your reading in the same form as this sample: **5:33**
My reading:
**10:34**
